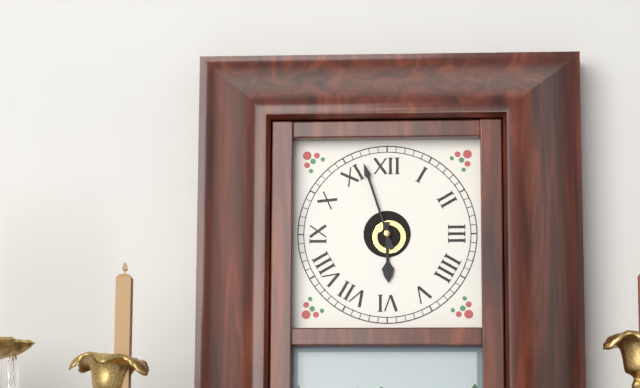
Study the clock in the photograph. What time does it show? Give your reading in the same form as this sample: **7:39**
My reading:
**5:57**
